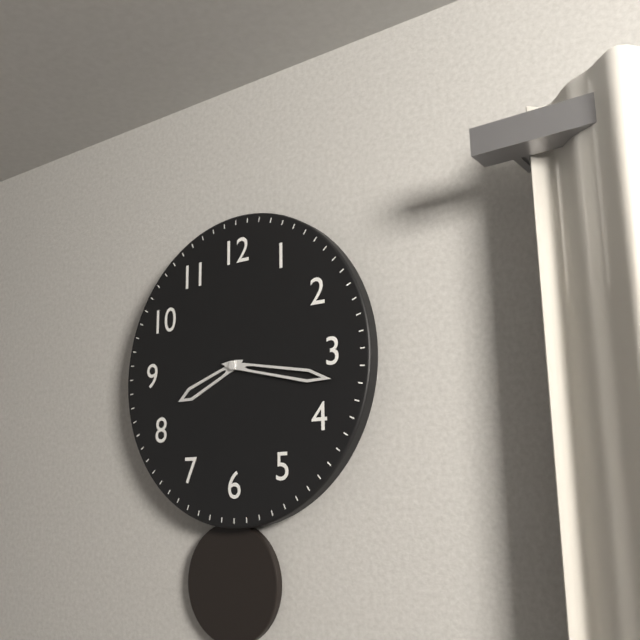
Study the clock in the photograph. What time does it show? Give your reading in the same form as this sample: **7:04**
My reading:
**8:17**
